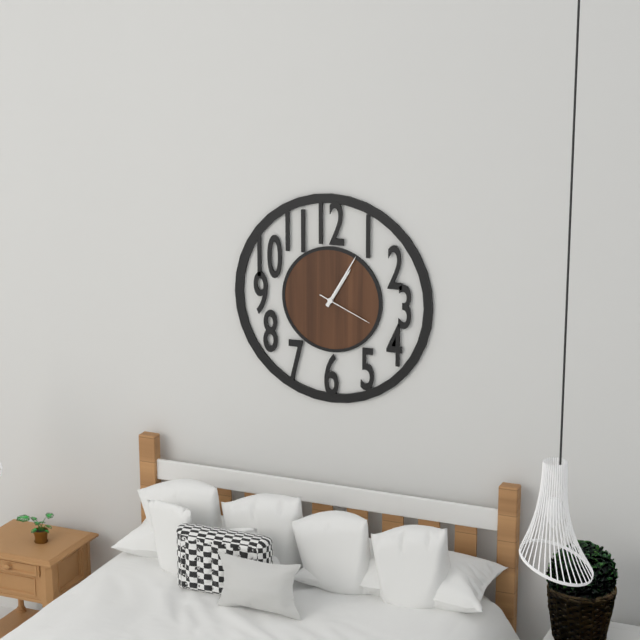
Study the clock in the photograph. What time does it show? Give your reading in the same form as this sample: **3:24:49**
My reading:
**1:05:19**
